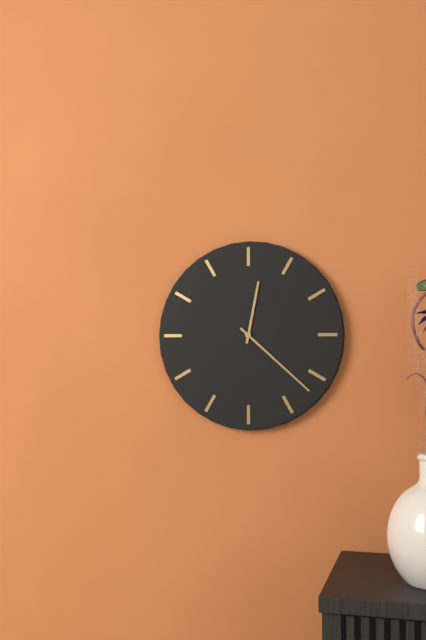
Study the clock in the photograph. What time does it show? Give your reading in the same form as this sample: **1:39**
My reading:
**12:22**
